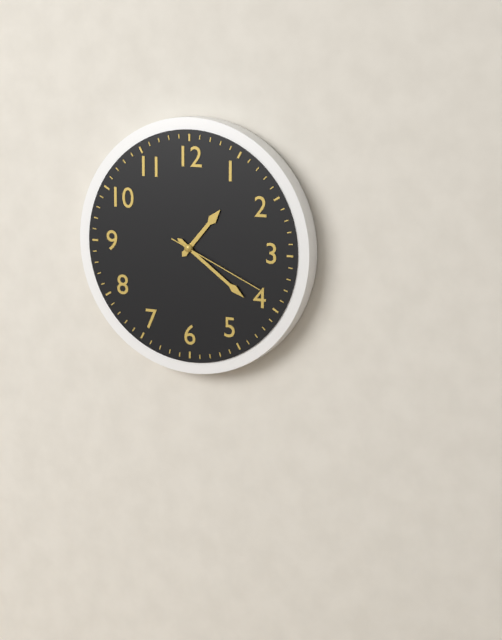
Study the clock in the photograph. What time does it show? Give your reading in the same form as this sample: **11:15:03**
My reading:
**1:21:19**
